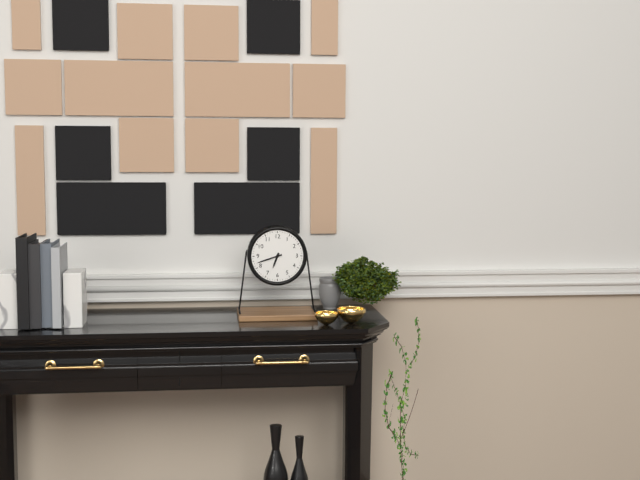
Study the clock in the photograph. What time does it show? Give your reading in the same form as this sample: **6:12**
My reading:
**6:42**
